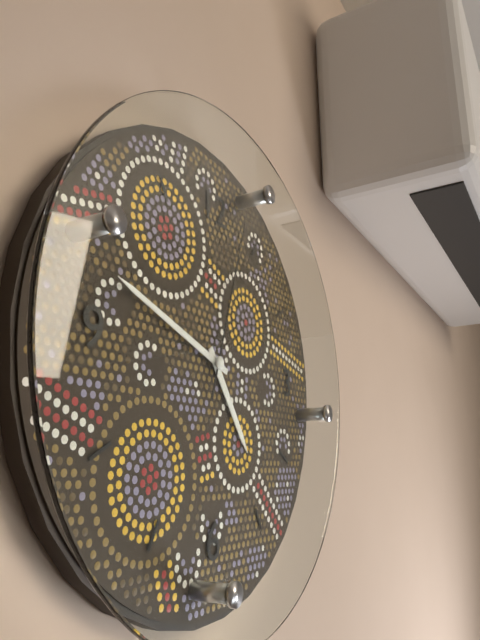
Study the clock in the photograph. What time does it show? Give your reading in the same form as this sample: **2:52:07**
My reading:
**4:48:03**
